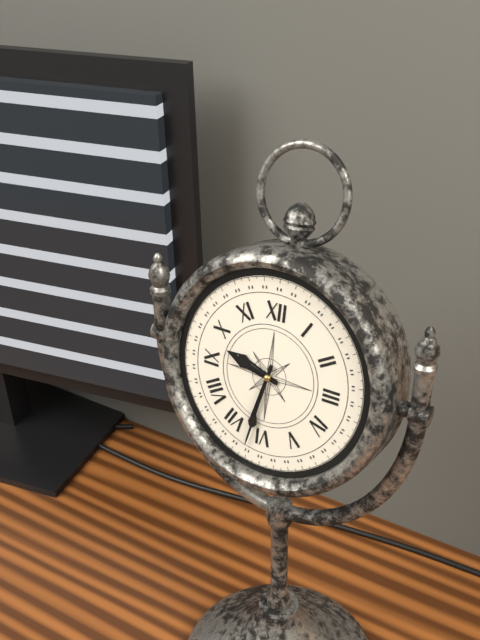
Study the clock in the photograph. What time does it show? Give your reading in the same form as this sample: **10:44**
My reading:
**9:32**
